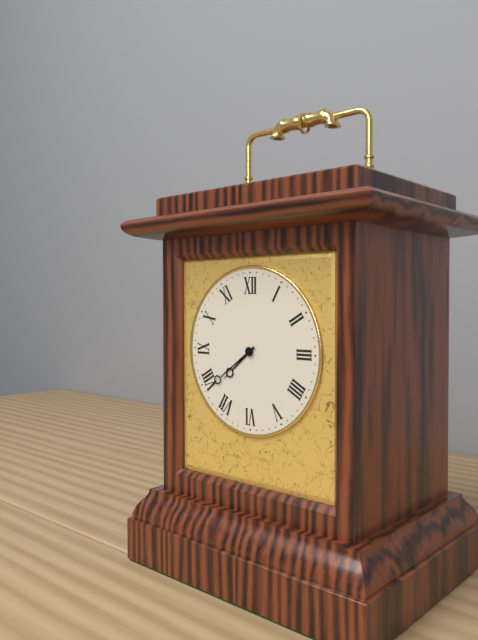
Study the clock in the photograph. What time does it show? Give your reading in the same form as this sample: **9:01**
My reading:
**7:39**
